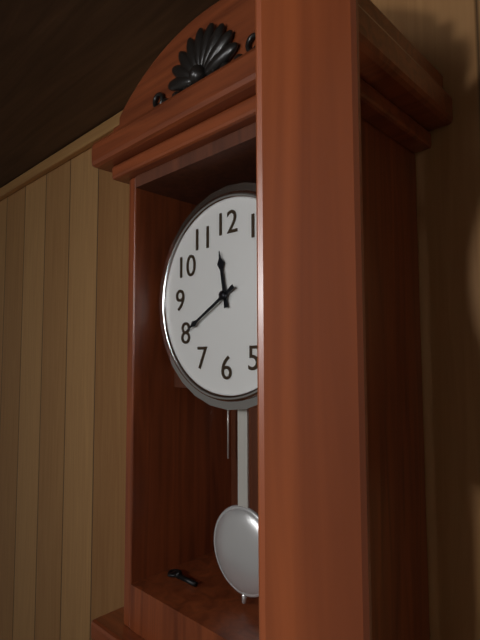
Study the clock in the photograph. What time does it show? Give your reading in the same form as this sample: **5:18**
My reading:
**11:40**
